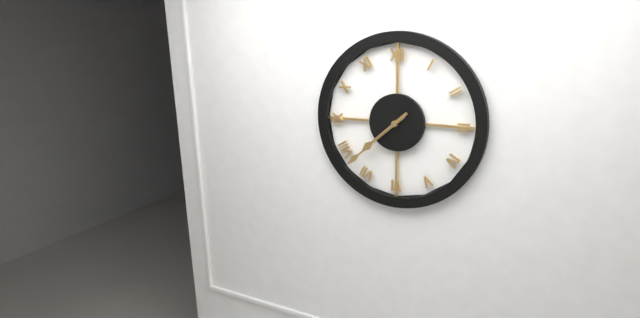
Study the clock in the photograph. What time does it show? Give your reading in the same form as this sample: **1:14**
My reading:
**7:38**
